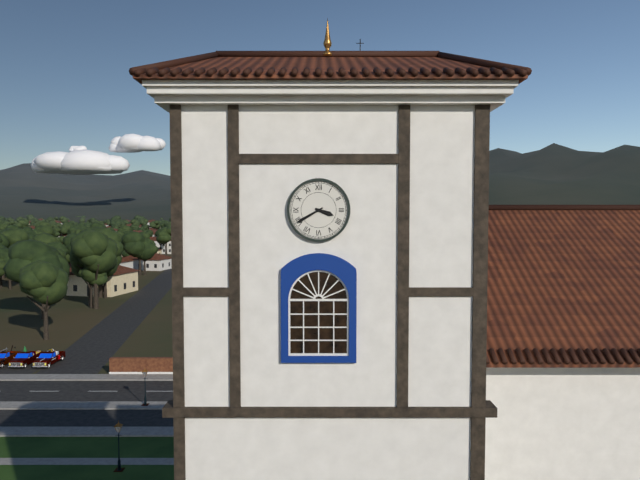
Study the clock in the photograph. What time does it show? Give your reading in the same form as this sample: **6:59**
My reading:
**3:40**
